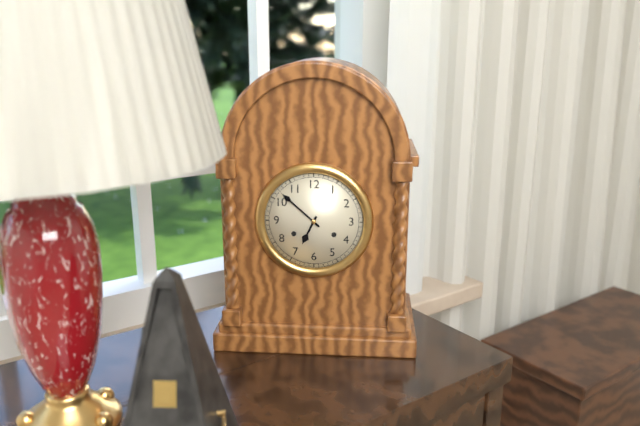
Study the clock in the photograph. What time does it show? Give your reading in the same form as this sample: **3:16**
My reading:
**6:52**
